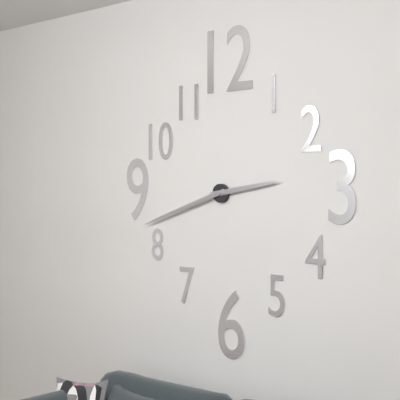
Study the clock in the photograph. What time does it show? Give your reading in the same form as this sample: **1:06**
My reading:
**2:42**
